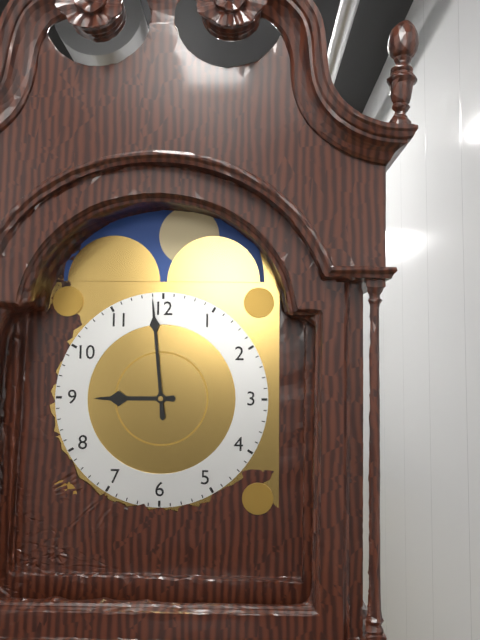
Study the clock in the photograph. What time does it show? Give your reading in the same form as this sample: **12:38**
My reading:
**8:59**
